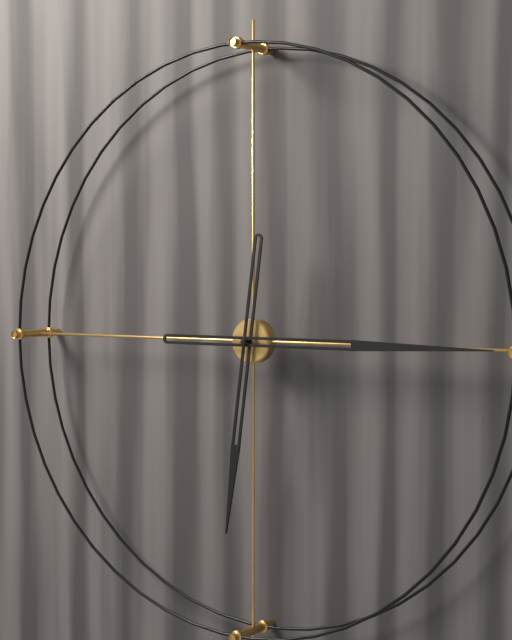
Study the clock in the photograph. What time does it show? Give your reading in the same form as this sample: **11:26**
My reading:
**6:15**
